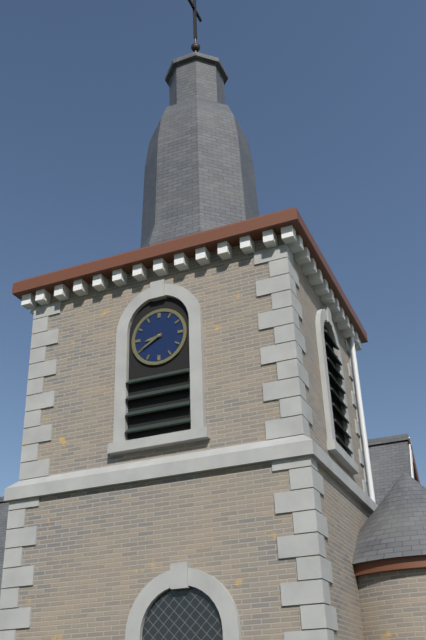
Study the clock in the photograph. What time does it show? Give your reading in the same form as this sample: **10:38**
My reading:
**8:40**
